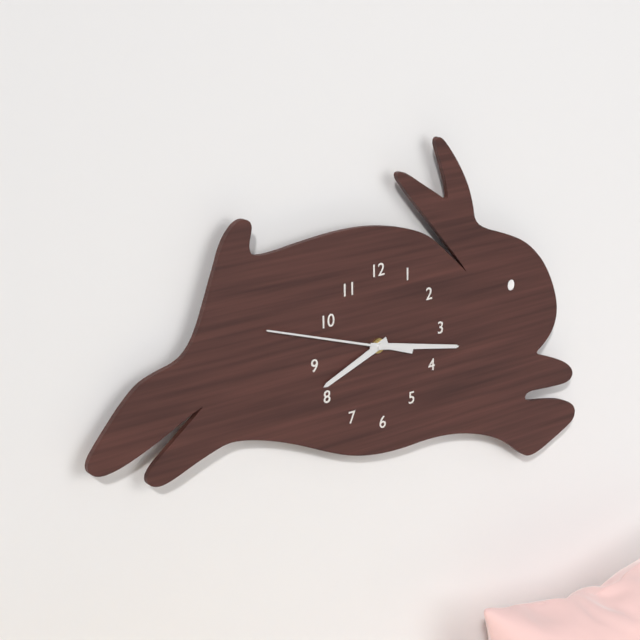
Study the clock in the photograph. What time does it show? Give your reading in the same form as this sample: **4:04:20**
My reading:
**8:17:48**
